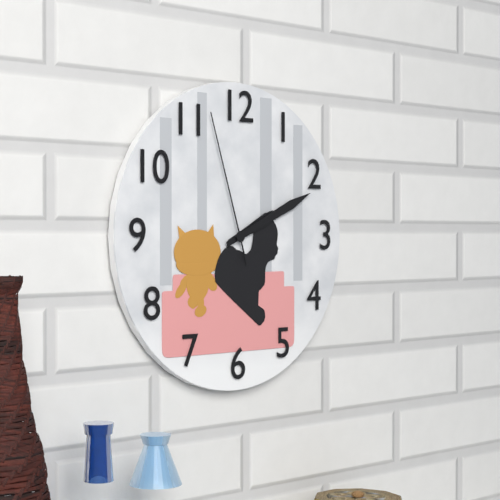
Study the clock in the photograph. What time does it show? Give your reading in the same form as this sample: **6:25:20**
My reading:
**2:11:57**
